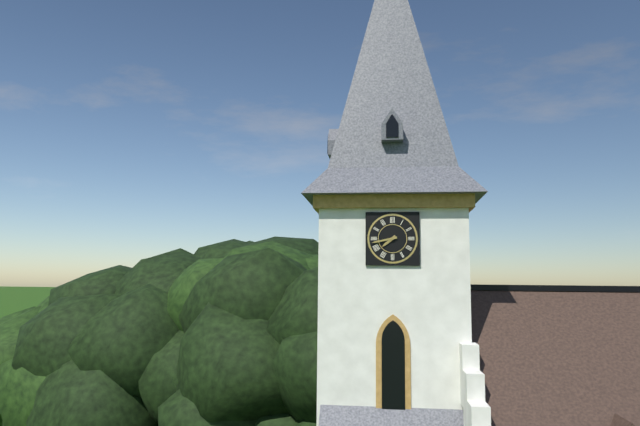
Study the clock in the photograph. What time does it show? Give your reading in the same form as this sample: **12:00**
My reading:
**7:43**
